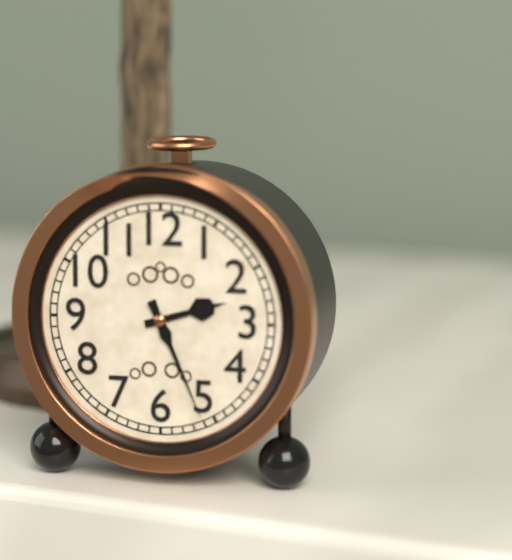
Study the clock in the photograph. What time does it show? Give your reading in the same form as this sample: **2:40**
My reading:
**2:26**
